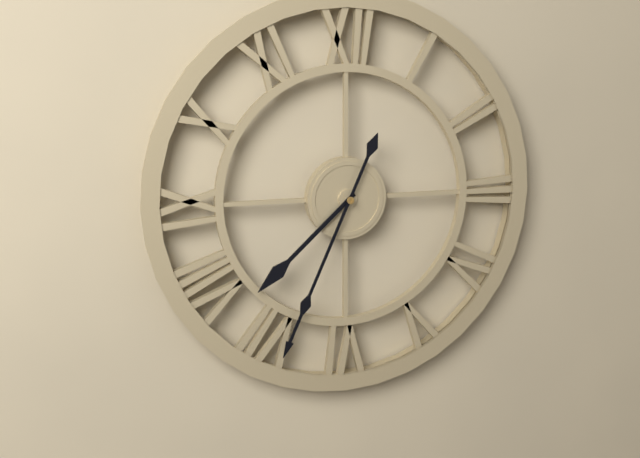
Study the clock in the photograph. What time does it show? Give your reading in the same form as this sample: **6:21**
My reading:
**7:34**
